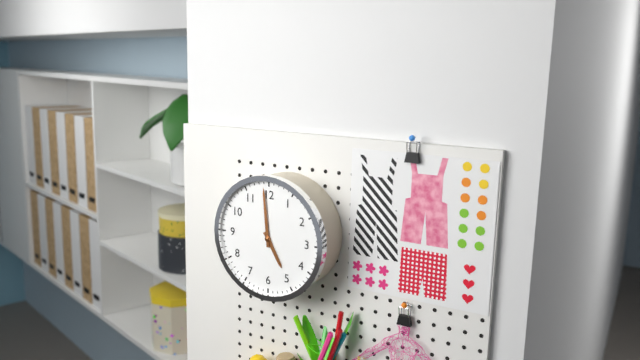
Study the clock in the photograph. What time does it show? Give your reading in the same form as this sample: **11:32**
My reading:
**4:59**
